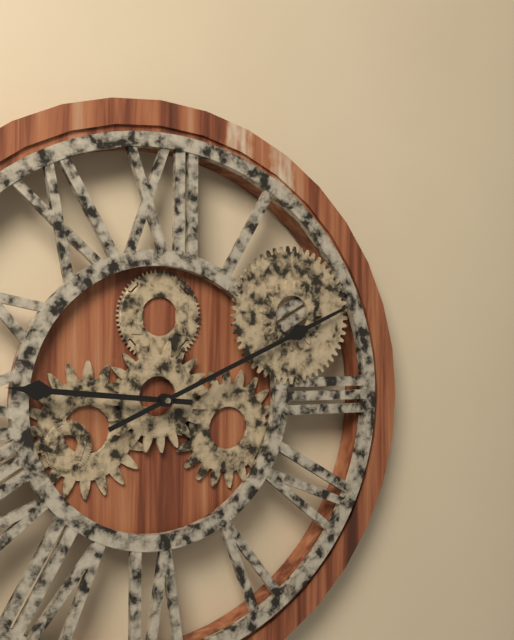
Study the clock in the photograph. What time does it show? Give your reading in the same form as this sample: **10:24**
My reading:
**9:11**
